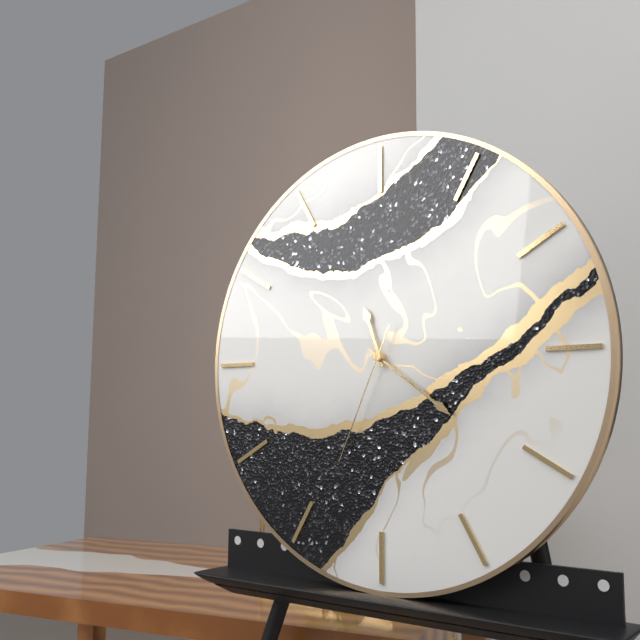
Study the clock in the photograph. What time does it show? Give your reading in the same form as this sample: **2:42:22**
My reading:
**11:21:34**
